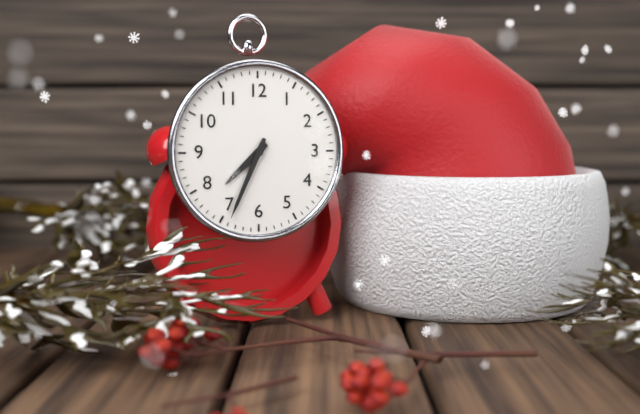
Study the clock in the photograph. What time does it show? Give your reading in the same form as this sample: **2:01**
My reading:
**7:34**
